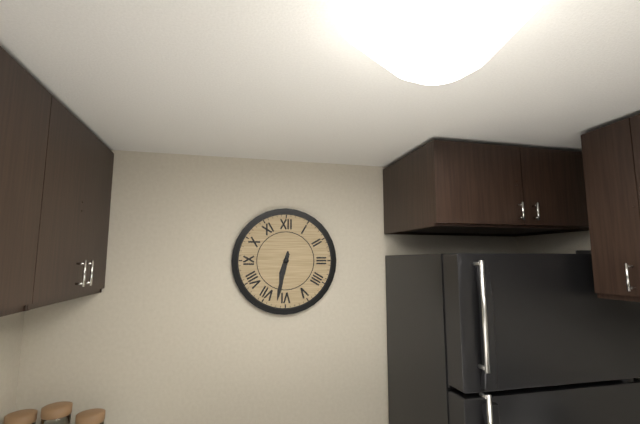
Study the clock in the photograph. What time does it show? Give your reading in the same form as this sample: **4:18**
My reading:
**6:32**
